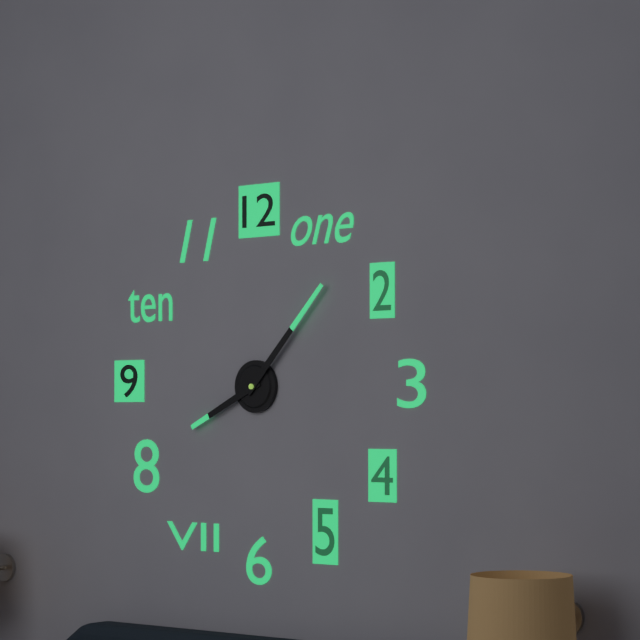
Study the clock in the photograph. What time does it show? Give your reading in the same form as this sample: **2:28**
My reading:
**8:07**
